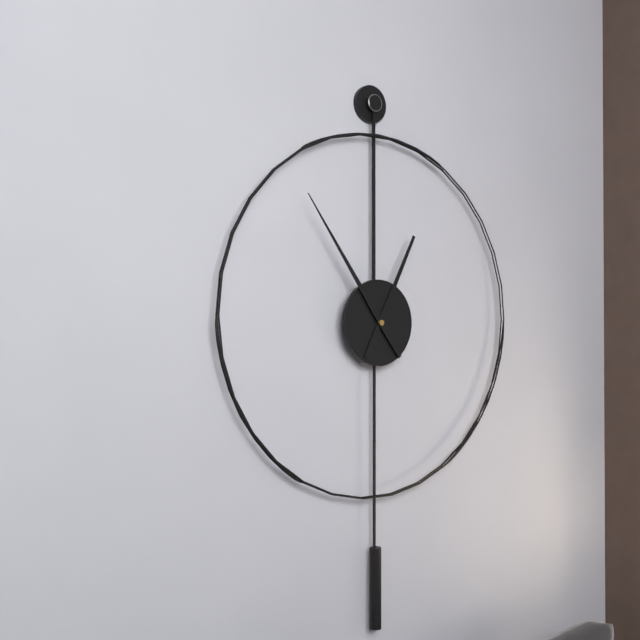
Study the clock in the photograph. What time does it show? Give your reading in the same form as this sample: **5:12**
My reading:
**12:54**
